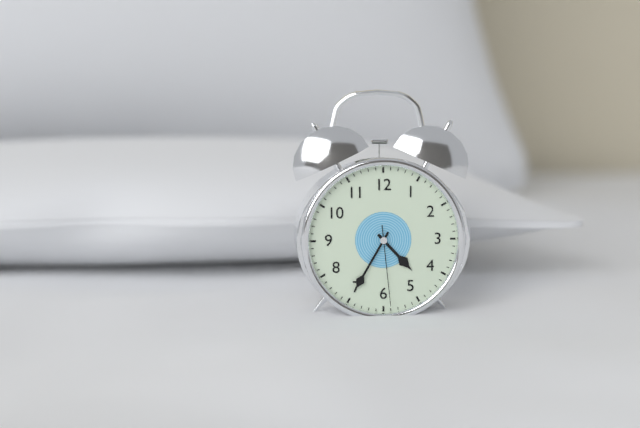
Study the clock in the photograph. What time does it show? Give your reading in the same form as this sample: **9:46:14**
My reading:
**4:35:29**
